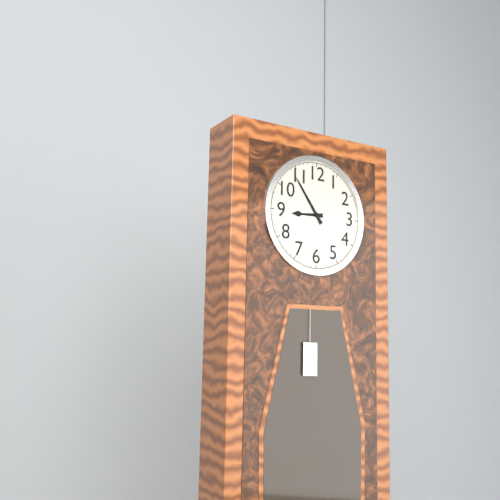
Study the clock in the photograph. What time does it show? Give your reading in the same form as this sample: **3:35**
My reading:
**8:54**
